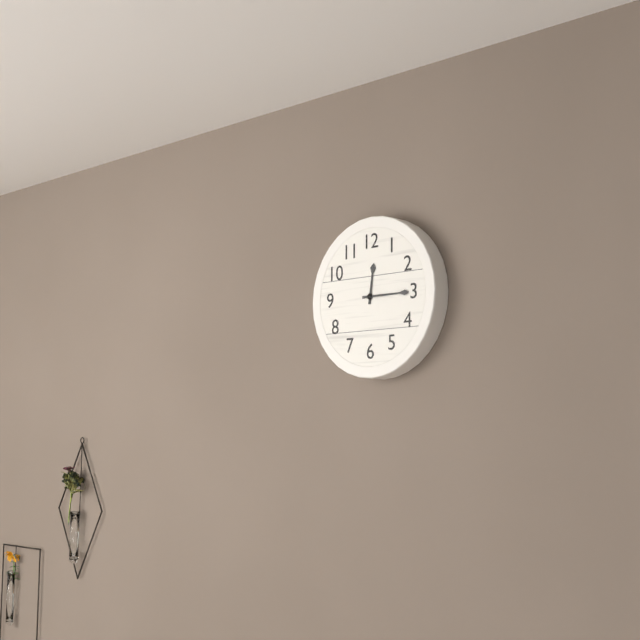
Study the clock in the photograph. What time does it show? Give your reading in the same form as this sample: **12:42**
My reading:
**12:15**
